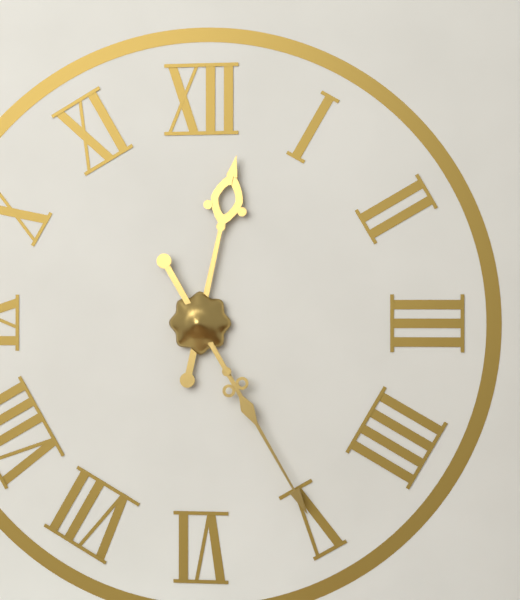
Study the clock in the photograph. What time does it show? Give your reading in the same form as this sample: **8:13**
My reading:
**12:25**
